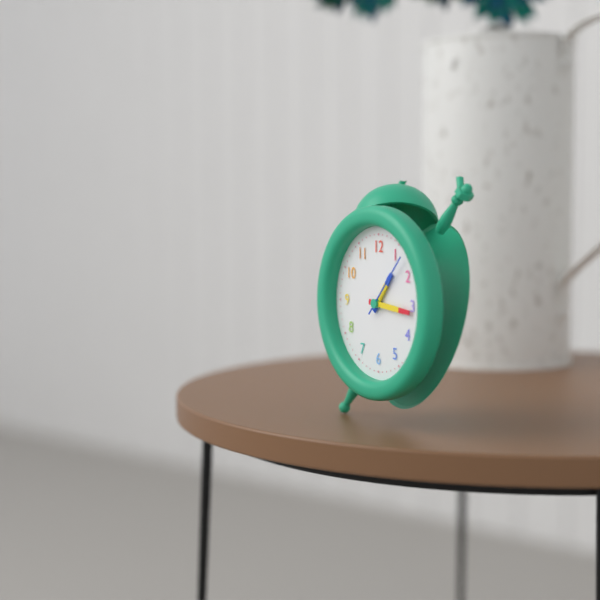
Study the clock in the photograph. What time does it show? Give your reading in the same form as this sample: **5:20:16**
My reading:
**1:16:07**
